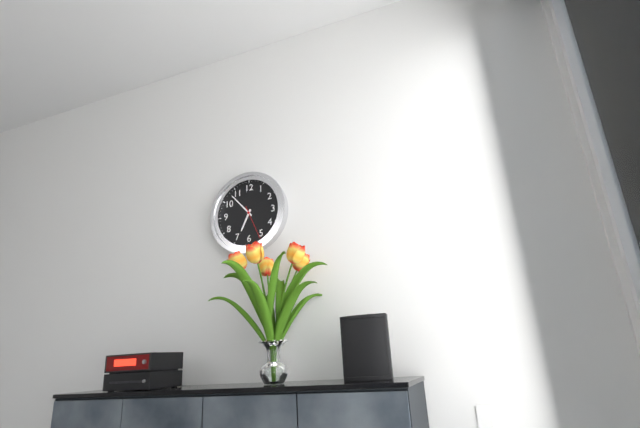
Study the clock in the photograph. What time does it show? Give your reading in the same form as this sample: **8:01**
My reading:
**6:53**
